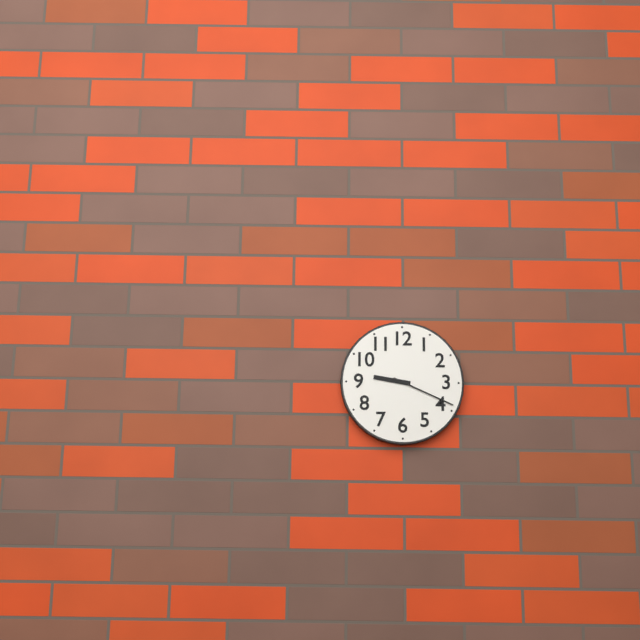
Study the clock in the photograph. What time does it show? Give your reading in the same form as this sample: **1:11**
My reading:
**9:19**
